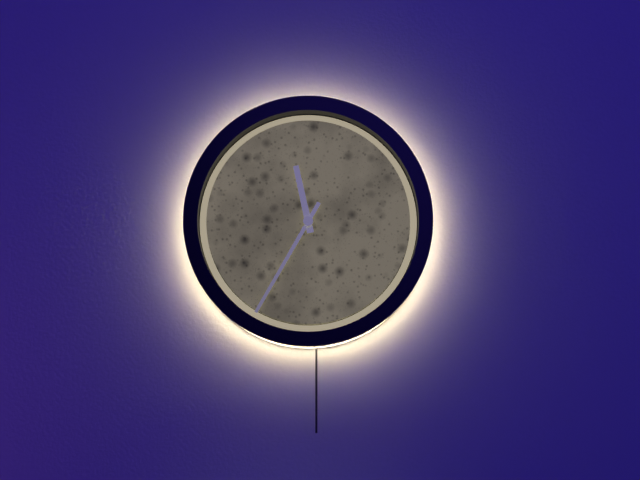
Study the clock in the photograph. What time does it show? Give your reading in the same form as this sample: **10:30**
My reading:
**11:35**
